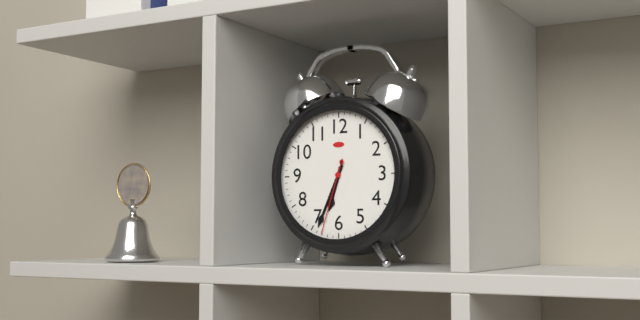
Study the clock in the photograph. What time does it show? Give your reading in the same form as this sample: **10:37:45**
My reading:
**6:34:33**
